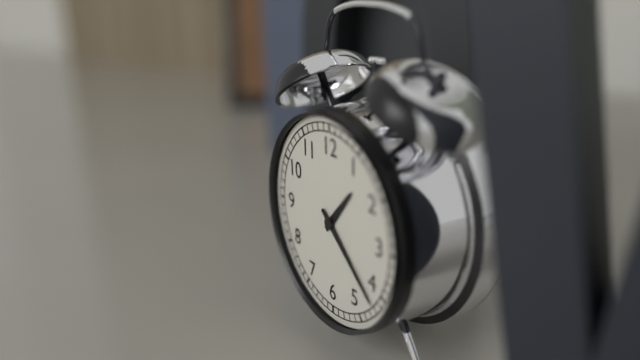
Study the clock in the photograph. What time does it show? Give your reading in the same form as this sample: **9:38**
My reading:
**1:22**
